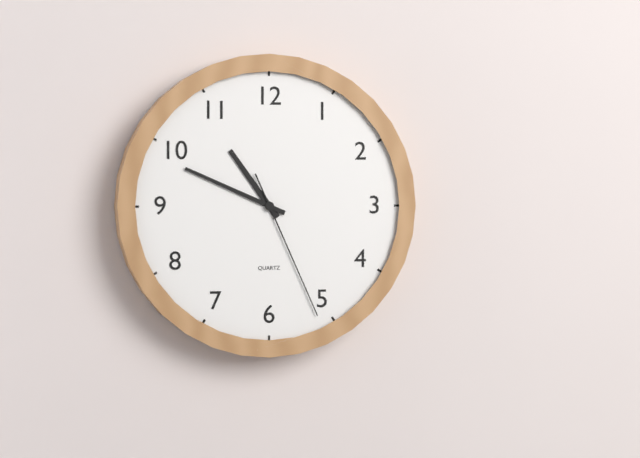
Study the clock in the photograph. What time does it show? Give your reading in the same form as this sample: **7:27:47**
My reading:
**10:49:26**
